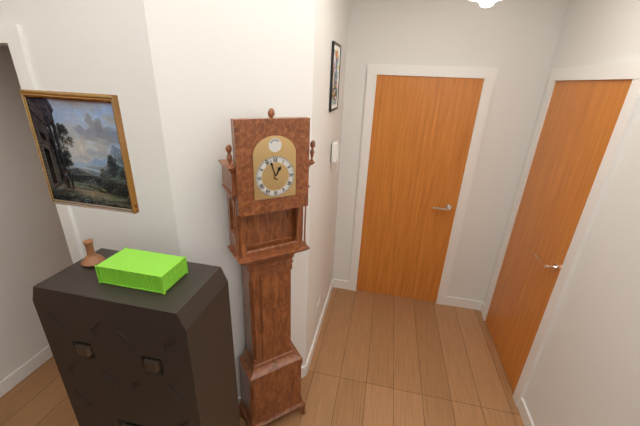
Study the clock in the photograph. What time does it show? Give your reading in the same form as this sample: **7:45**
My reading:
**12:57**
